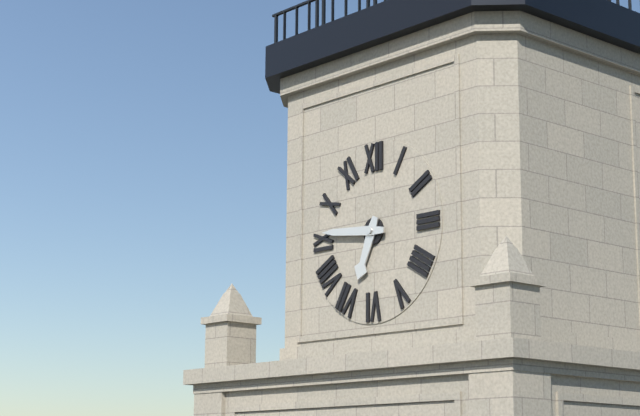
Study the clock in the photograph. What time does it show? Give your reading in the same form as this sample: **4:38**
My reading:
**6:46**
